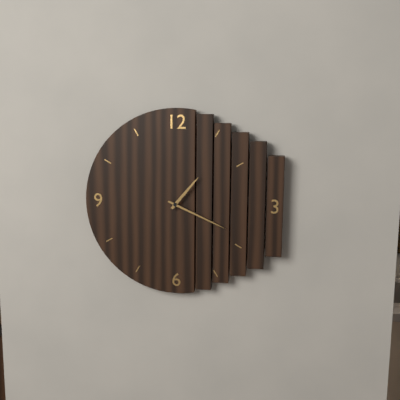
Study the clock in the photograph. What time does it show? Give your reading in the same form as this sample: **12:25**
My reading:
**1:19**
